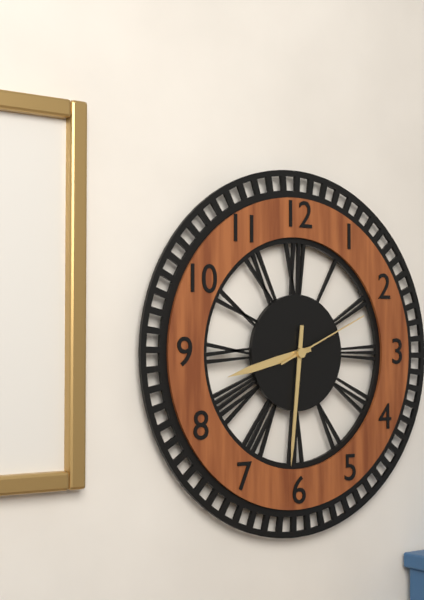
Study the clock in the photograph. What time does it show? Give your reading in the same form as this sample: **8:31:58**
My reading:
**8:31:11**
